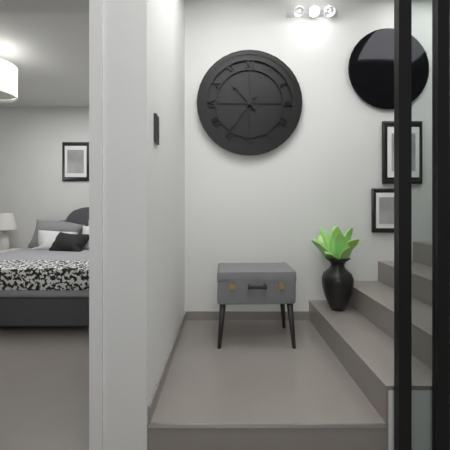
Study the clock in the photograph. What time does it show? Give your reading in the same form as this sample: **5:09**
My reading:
**10:36**
